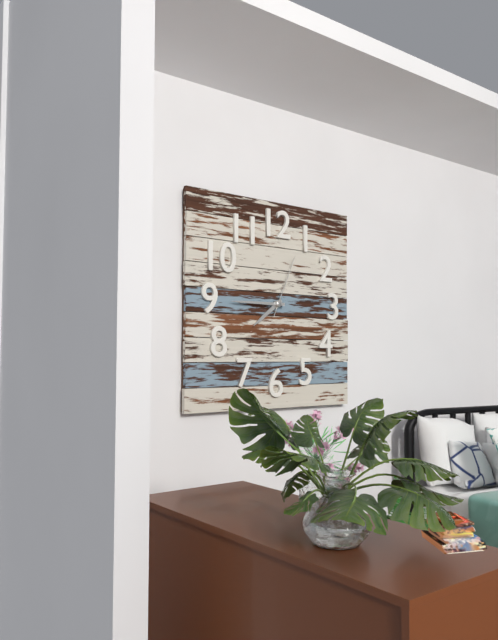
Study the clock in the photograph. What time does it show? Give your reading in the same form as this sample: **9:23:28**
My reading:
**7:45:04**
